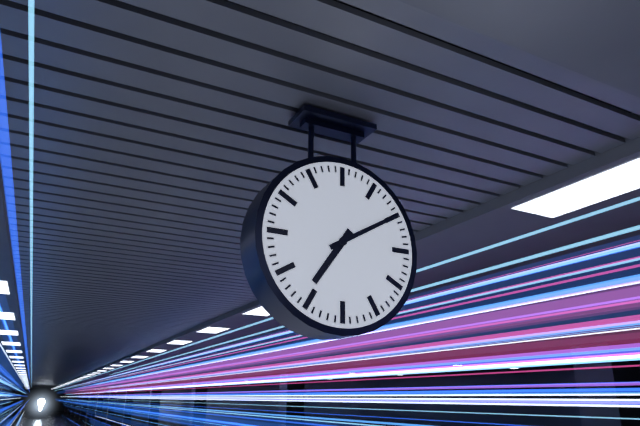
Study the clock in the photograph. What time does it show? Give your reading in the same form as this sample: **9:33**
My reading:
**7:10**
